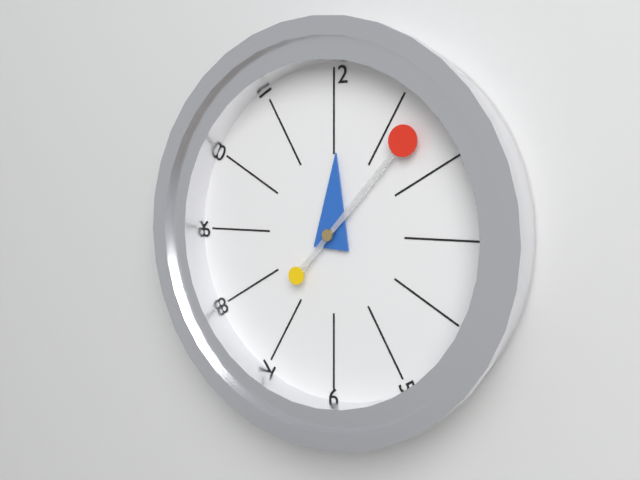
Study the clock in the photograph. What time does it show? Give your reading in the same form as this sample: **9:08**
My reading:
**12:07**
